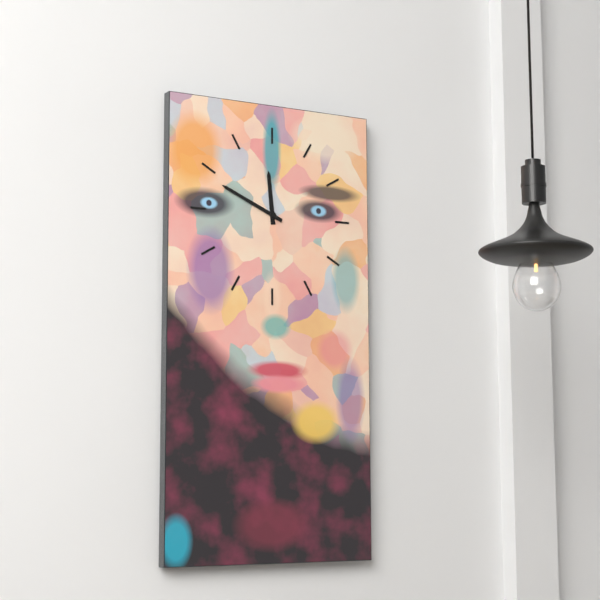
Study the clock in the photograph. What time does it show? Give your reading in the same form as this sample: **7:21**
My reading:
**11:49**
